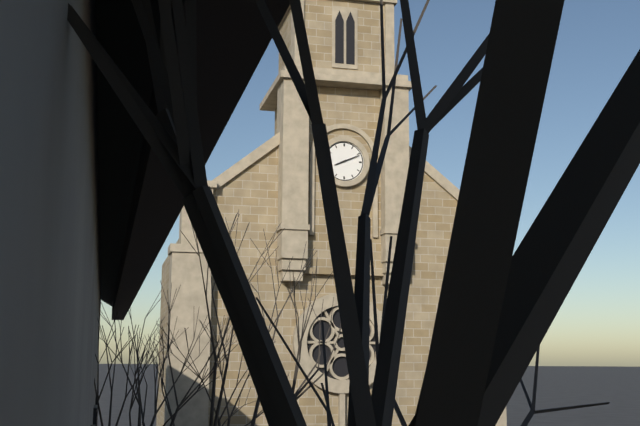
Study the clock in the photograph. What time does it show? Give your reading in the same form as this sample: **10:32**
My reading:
**8:11**
